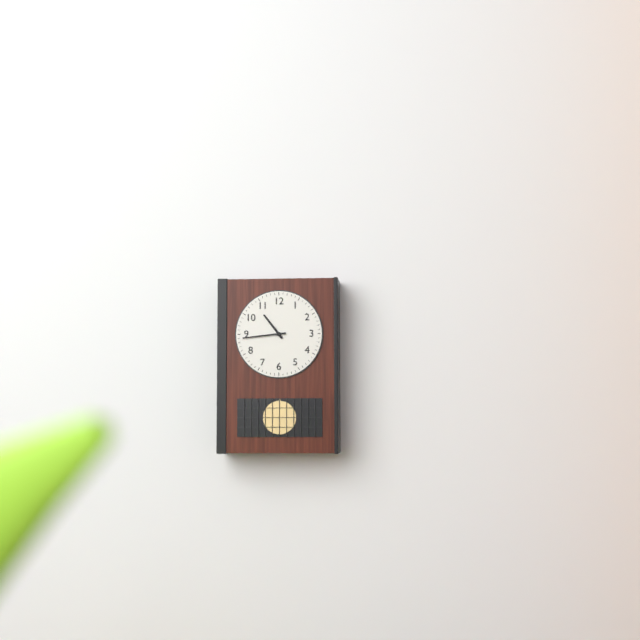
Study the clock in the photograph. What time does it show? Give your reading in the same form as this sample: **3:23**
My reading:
**10:44**
